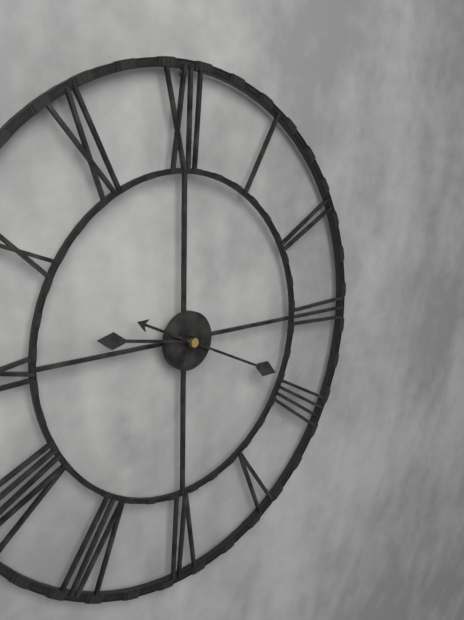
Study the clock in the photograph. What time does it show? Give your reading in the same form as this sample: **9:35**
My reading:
**9:19**
